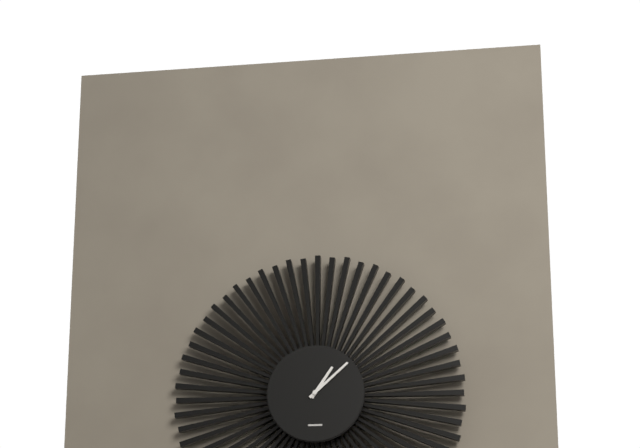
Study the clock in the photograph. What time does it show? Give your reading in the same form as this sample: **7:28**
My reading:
**1:08**
